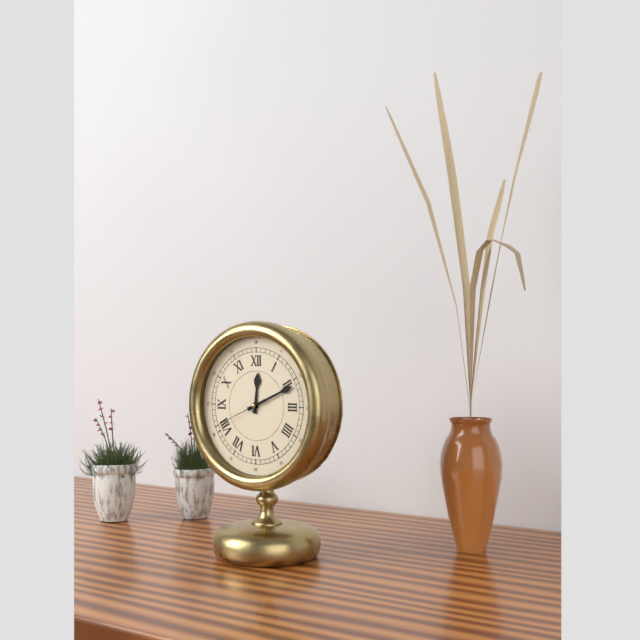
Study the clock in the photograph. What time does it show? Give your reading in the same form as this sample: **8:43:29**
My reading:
**12:11:41**
